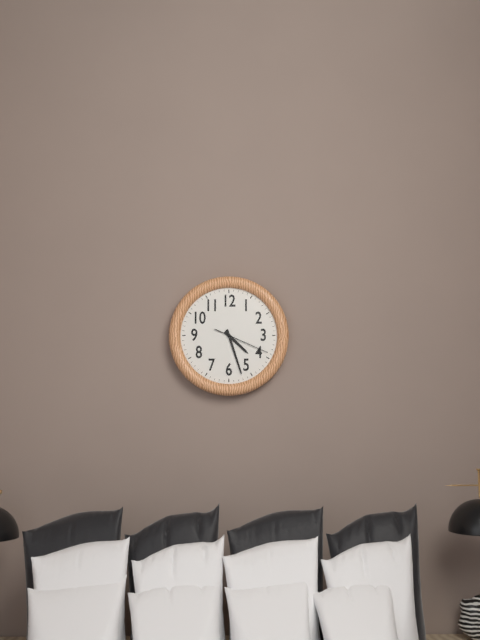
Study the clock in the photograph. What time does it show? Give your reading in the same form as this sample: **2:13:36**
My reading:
**4:27:19**
